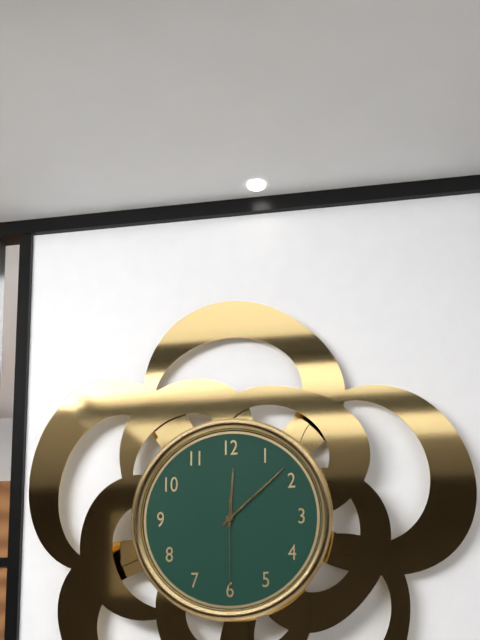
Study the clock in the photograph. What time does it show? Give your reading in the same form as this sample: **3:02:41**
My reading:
**12:08:30**
